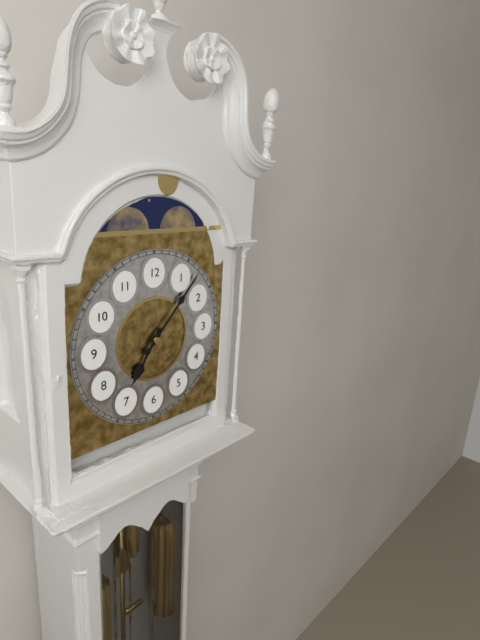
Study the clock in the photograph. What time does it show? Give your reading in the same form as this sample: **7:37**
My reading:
**7:07**
